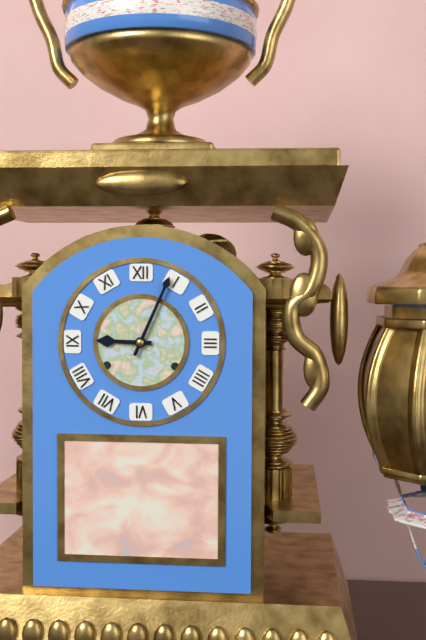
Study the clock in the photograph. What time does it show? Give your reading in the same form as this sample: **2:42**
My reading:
**9:04**
